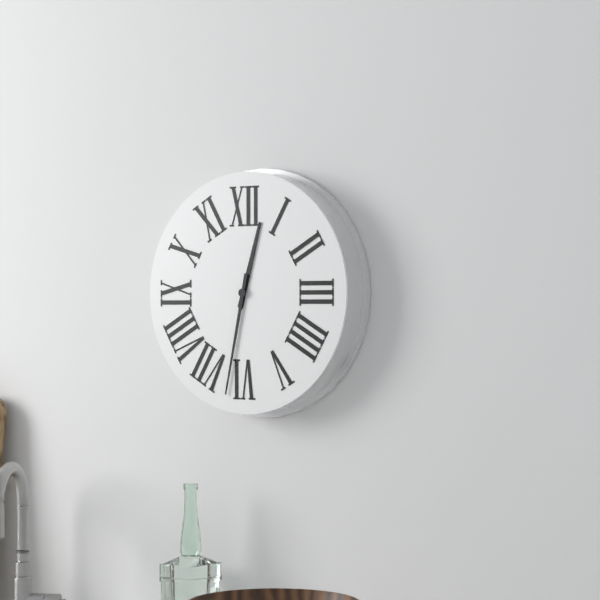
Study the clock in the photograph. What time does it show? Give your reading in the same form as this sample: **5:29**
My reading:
**12:32**
